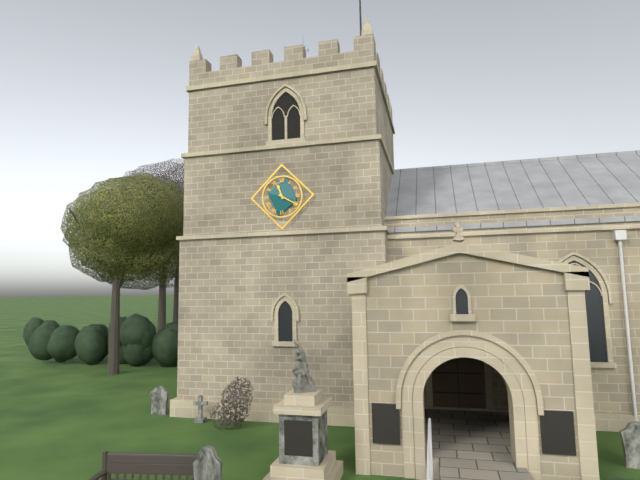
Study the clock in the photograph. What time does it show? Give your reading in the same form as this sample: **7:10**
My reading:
**11:20**
